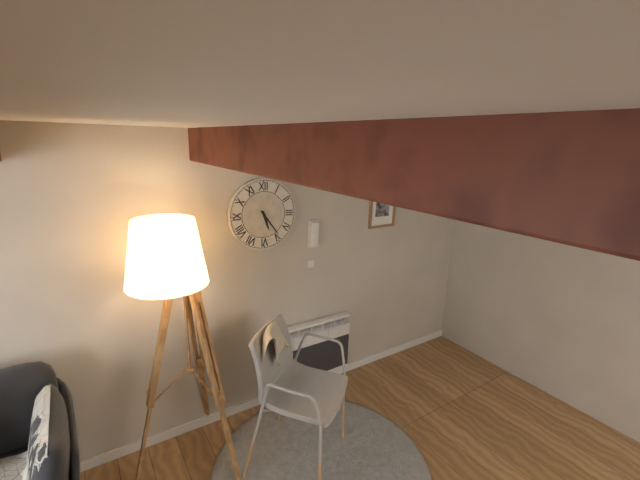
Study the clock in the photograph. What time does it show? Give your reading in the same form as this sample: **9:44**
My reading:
**5:24**
